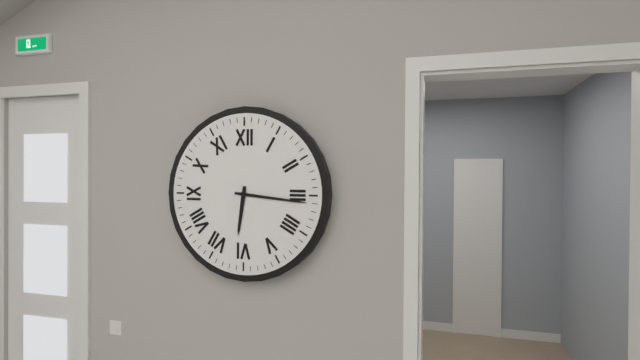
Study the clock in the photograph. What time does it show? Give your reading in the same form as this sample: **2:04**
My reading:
**6:16**
